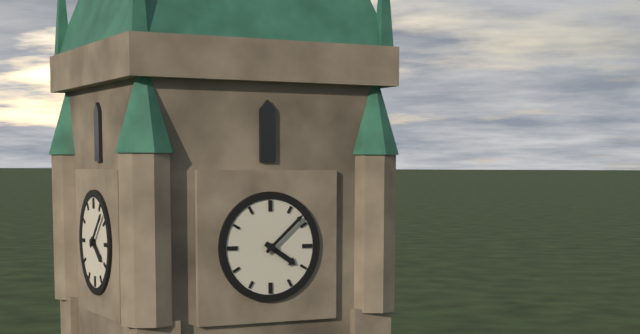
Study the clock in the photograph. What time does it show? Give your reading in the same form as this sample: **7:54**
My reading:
**4:08**
